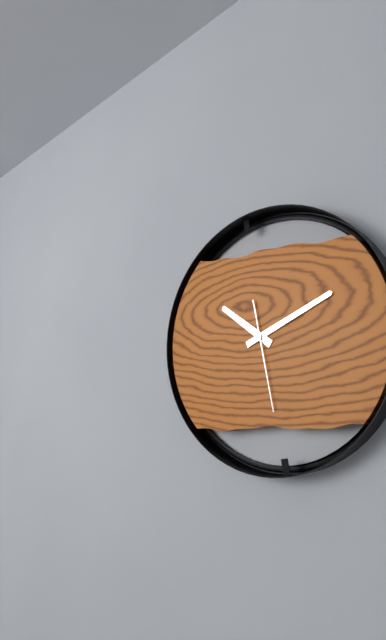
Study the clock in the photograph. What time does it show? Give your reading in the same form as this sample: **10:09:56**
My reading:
**10:11:28**
